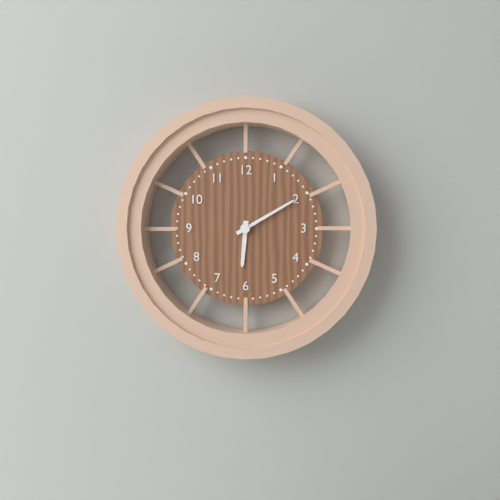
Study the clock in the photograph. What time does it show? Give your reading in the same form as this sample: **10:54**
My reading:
**6:10**
